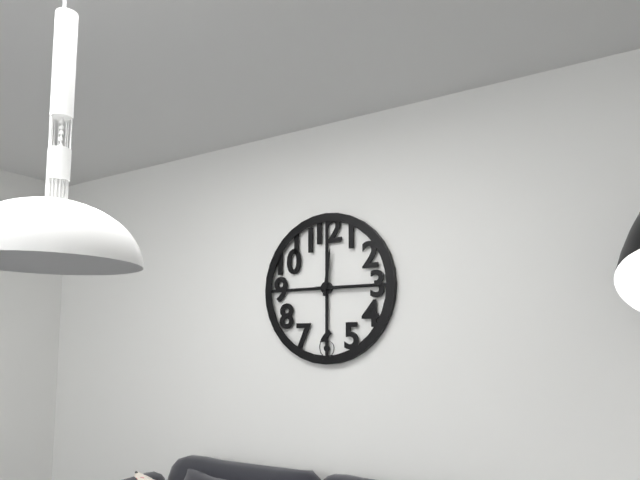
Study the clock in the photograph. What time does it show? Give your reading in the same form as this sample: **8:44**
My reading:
**12:15**
